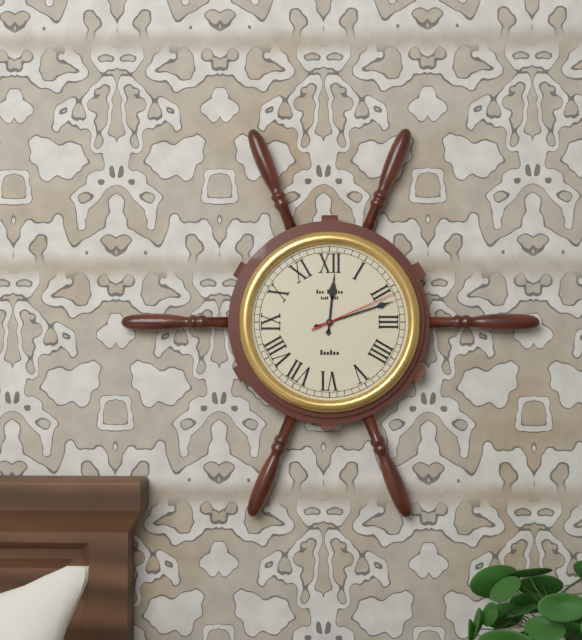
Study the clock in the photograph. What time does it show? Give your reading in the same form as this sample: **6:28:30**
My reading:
**12:12:11**
